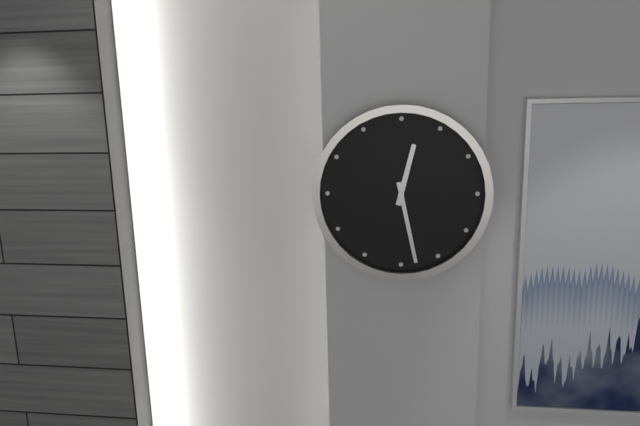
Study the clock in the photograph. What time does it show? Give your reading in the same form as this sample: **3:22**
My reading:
**12:28**
